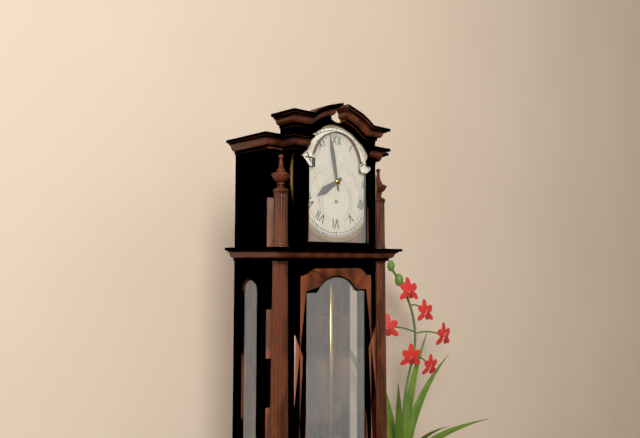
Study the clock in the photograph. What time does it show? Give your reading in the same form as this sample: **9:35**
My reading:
**7:58**
